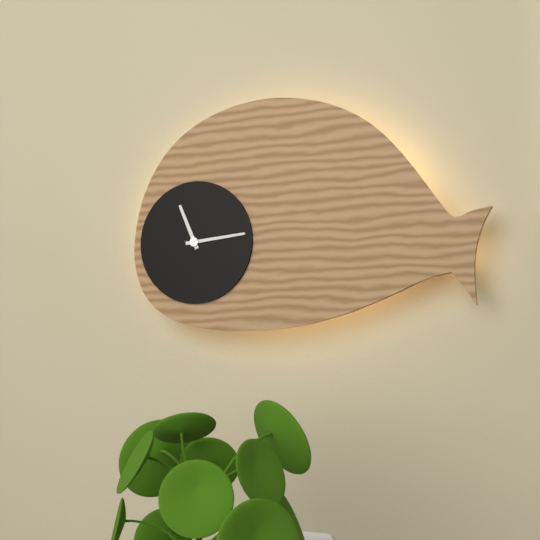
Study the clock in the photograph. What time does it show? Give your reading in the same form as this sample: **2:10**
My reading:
**11:14**
